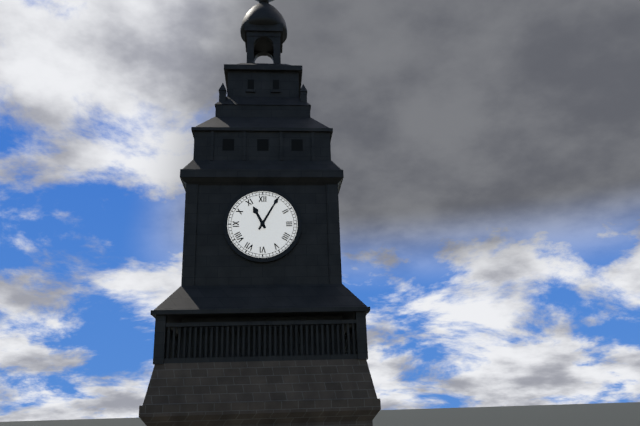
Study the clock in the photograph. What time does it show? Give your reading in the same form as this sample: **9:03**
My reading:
**11:05**
